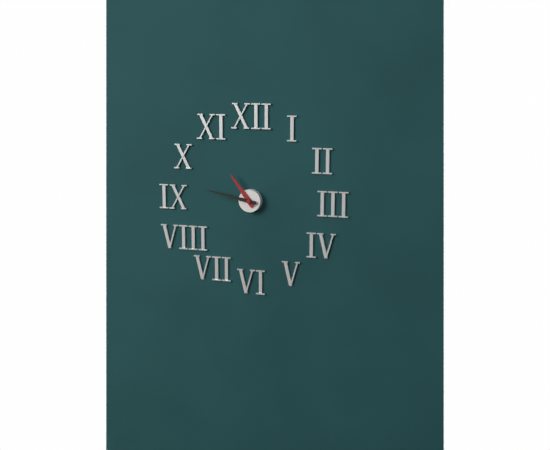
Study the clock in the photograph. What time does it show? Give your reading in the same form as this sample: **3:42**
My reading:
**10:47**
